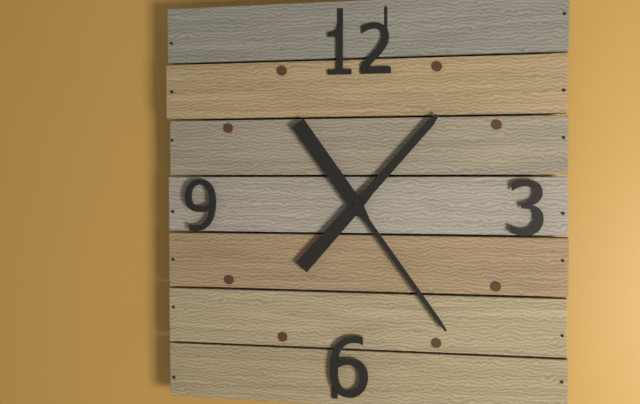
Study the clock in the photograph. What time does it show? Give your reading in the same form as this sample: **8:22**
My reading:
**1:24**
